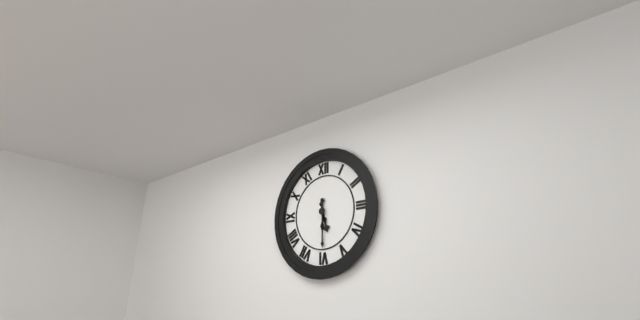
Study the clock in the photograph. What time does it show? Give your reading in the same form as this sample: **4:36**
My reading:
**5:30**
